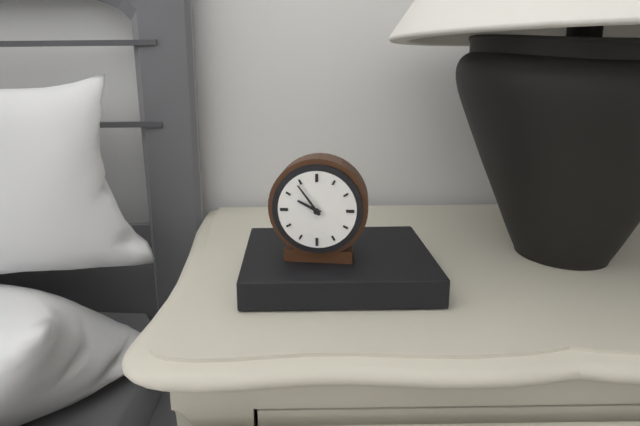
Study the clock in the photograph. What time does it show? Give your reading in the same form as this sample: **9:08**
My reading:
**9:54**
